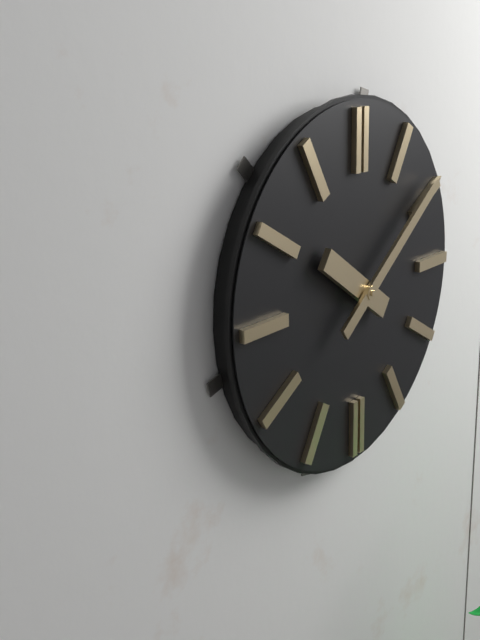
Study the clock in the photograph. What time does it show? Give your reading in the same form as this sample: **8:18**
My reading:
**10:09**
